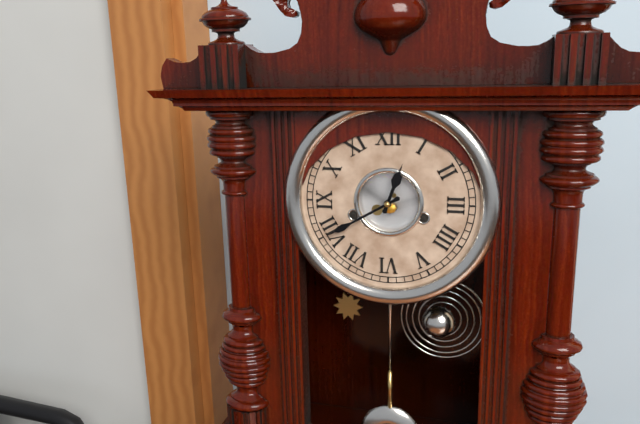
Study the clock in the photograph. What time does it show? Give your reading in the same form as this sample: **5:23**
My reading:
**12:40**
